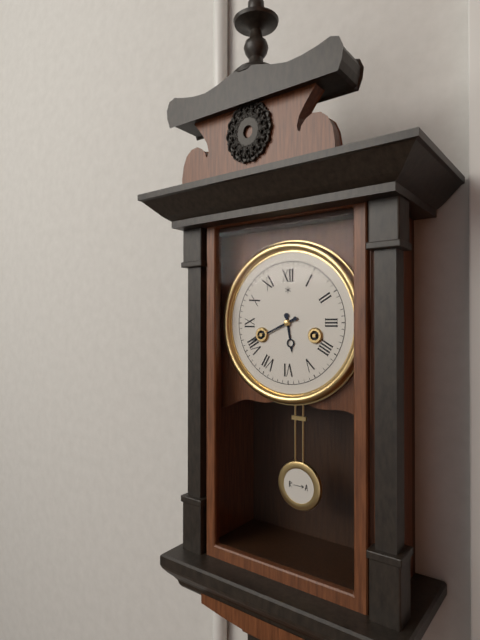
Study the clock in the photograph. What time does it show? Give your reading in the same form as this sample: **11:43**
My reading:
**5:41**
